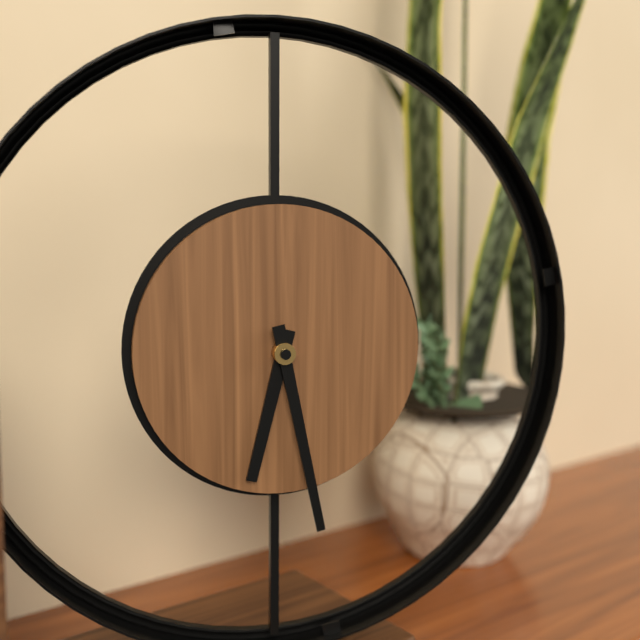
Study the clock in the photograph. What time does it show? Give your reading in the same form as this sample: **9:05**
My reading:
**6:28**
